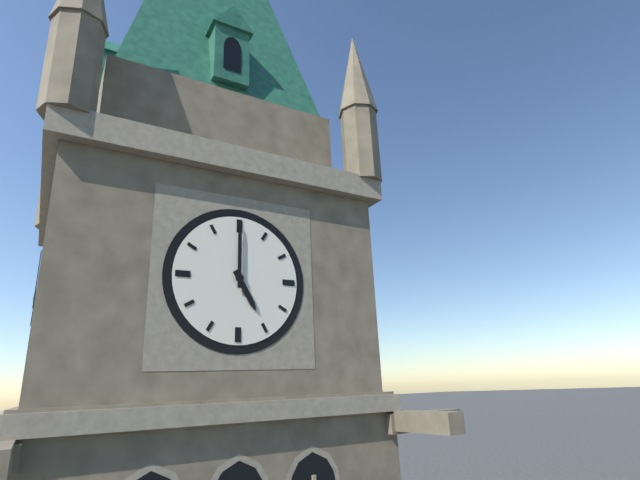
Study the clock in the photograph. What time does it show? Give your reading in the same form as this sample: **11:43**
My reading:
**5:00**
